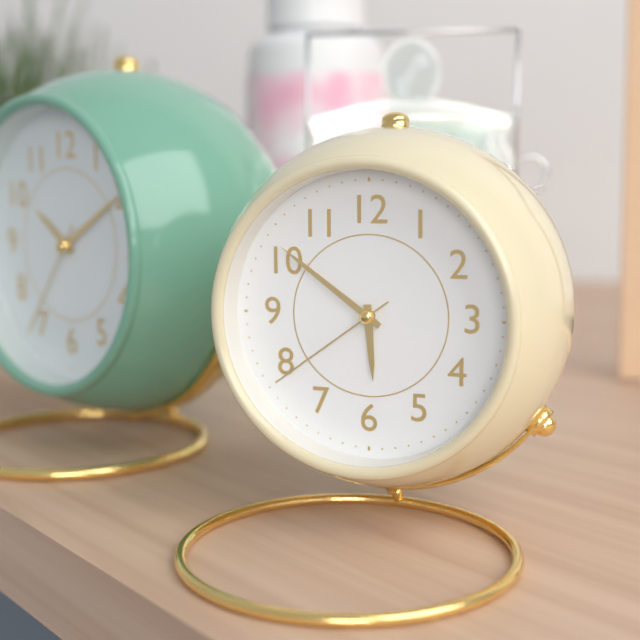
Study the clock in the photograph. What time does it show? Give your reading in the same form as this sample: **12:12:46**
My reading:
**5:51:39**
